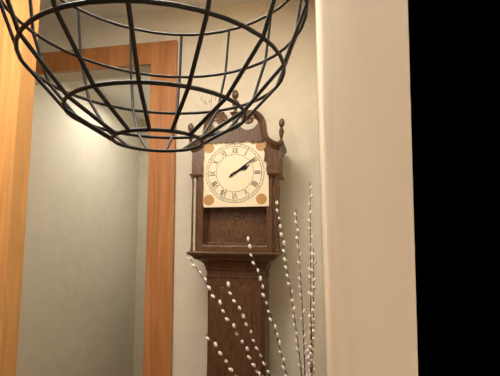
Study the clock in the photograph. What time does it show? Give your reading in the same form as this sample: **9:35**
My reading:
**2:09**
